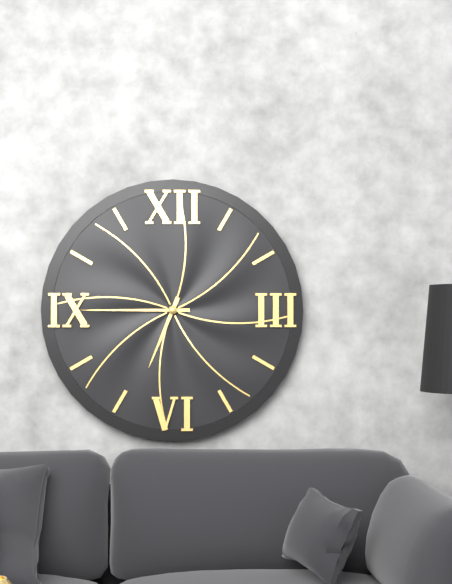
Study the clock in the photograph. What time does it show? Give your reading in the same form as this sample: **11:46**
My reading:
**6:45**
